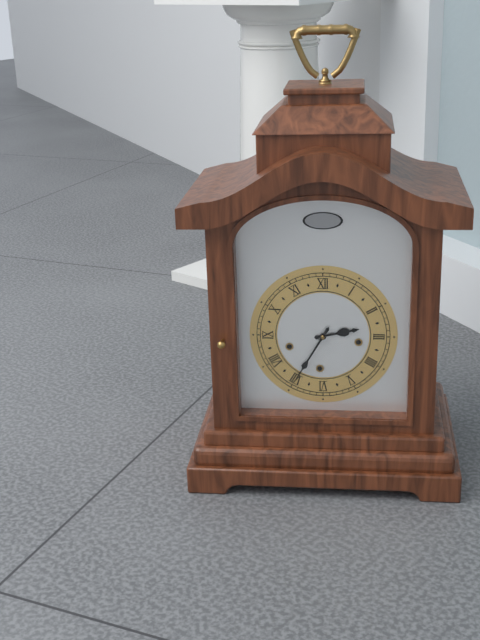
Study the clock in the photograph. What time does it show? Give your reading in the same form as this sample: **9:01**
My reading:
**2:35**
